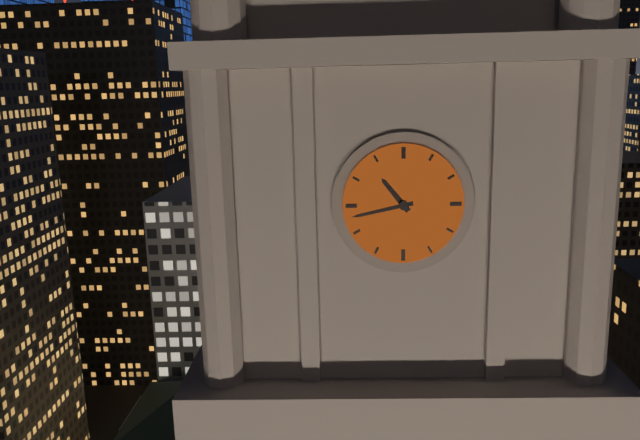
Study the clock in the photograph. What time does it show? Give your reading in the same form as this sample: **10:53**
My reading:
**10:43**
